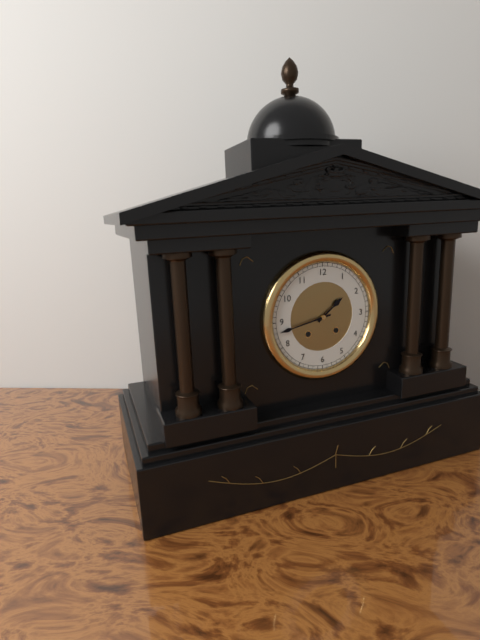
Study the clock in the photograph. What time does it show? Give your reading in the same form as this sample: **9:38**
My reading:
**1:43**
